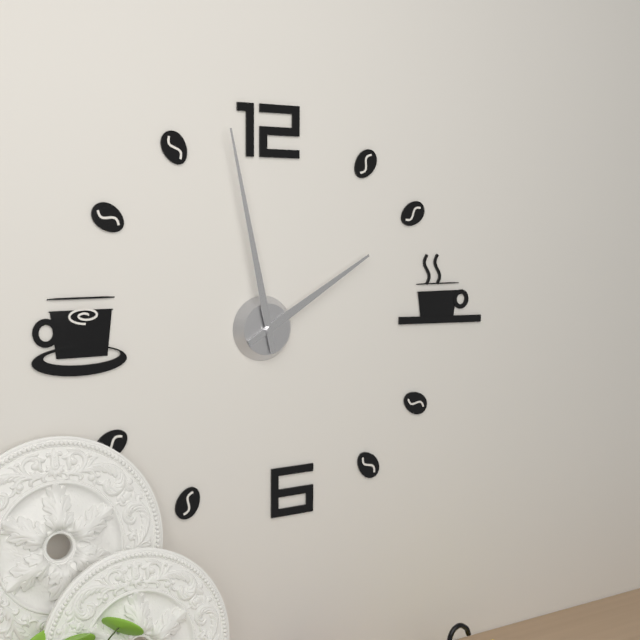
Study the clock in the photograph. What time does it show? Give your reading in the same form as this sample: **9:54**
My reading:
**1:58**
